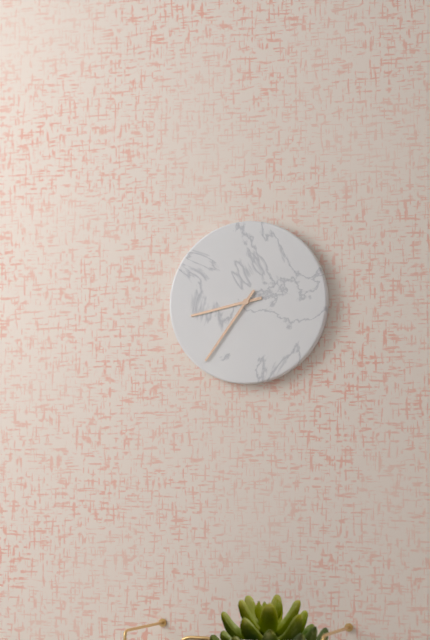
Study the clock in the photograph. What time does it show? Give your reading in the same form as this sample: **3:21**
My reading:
**8:36**
